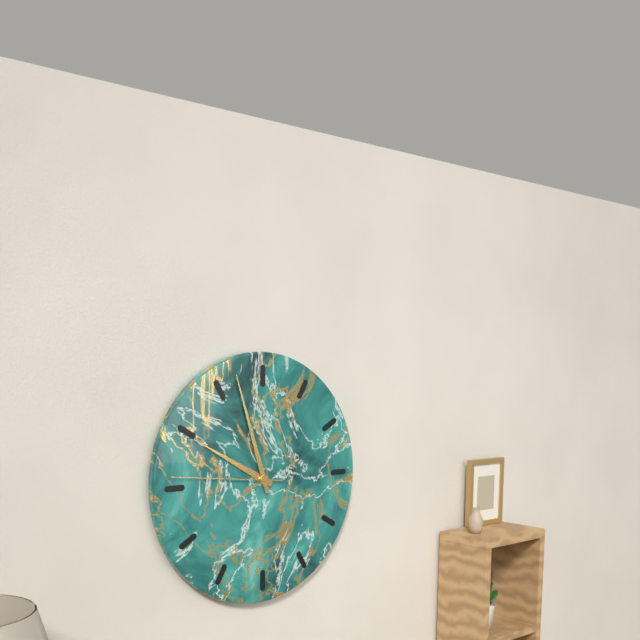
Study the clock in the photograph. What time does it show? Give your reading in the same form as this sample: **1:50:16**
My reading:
**9:57:46**
